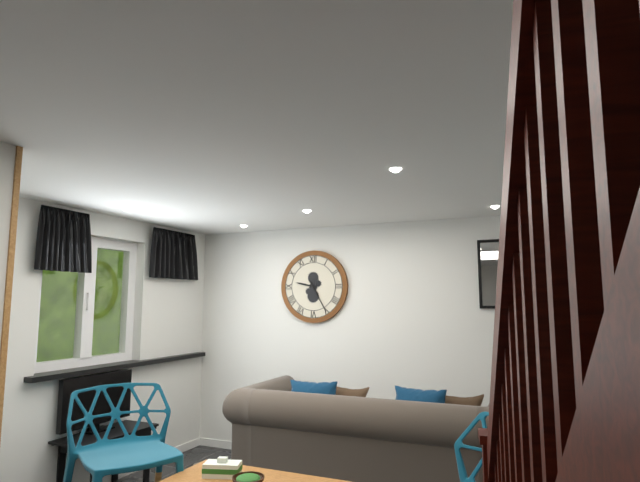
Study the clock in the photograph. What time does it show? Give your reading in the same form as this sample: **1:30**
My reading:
**9:25**
